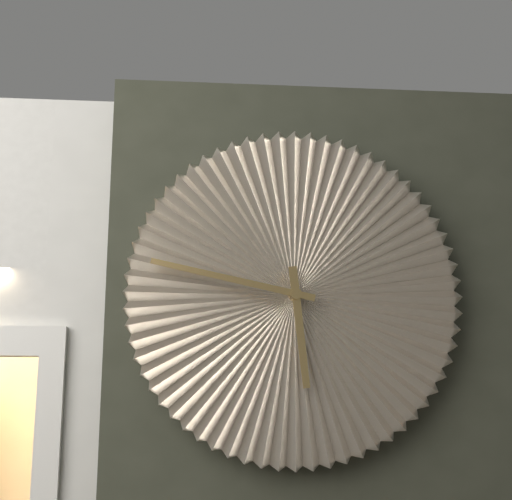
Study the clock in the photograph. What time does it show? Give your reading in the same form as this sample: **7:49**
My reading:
**5:47**
